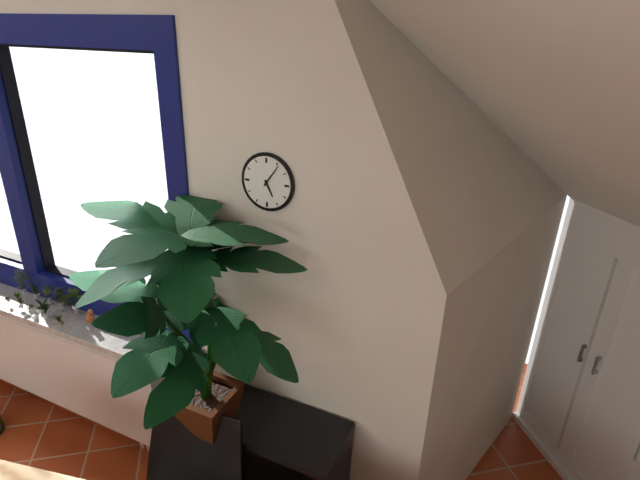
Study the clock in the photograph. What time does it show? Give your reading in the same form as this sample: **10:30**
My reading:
**5:06**
